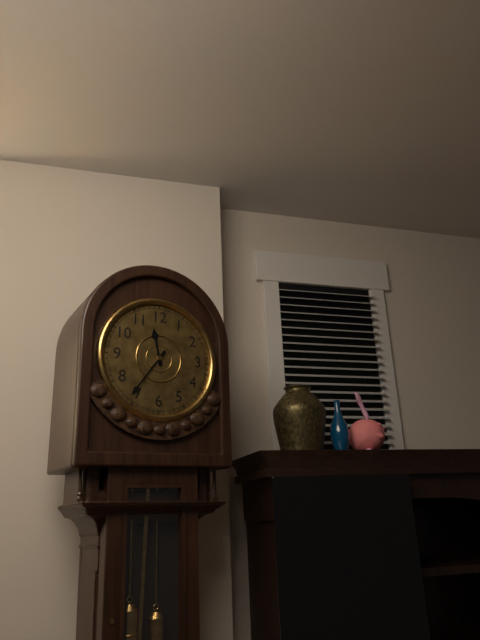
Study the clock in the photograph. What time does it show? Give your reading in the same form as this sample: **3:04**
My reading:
**11:36**
